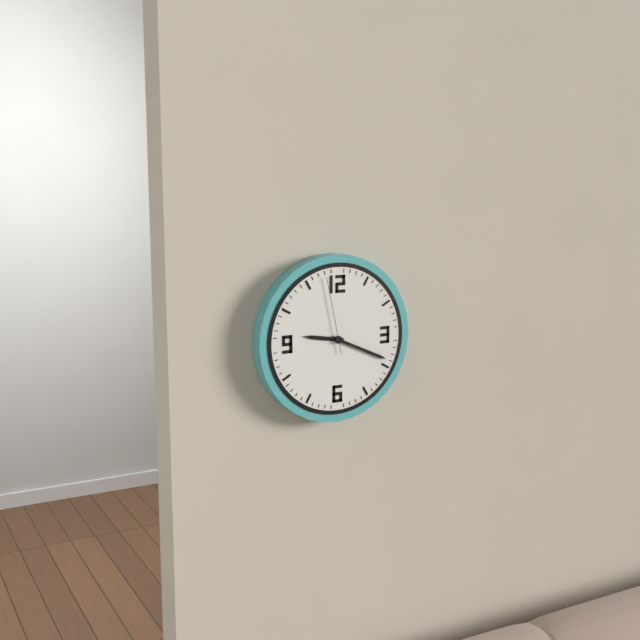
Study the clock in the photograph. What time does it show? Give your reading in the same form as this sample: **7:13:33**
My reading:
**9:19:58**
